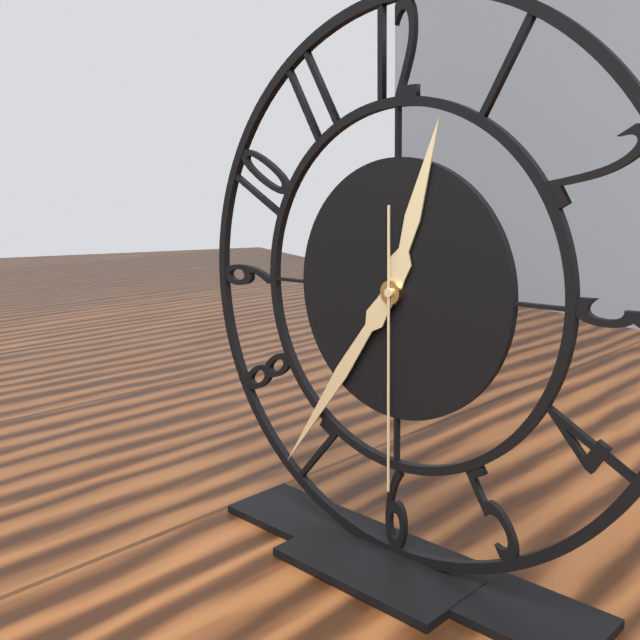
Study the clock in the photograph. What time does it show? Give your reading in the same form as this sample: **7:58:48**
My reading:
**12:36:30**
